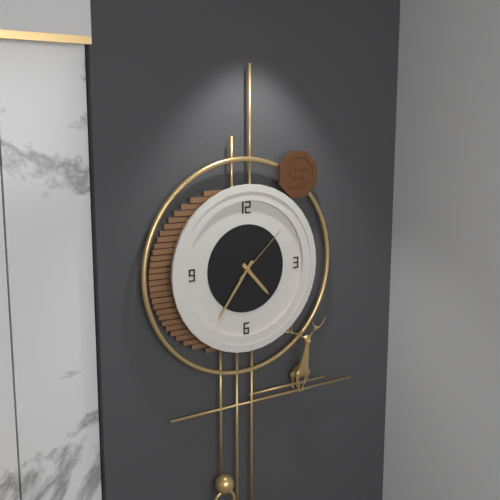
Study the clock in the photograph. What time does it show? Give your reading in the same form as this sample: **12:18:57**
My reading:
**4:36:08**
